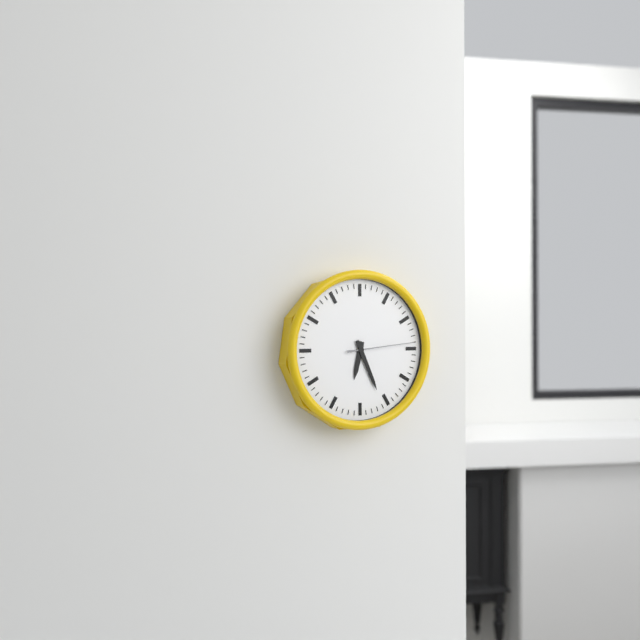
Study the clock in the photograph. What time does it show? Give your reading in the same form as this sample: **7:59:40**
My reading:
**6:26:14**
